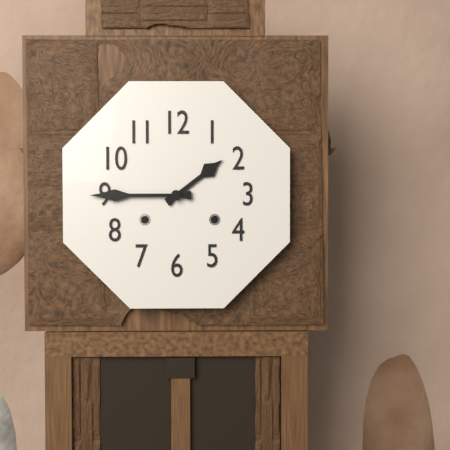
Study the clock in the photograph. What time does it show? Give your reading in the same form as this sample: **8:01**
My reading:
**1:45**
